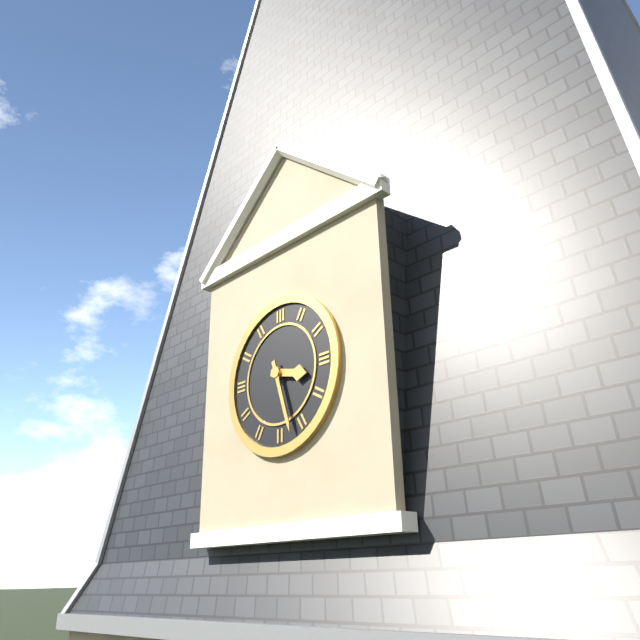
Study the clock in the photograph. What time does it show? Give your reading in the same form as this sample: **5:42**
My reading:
**3:27**
